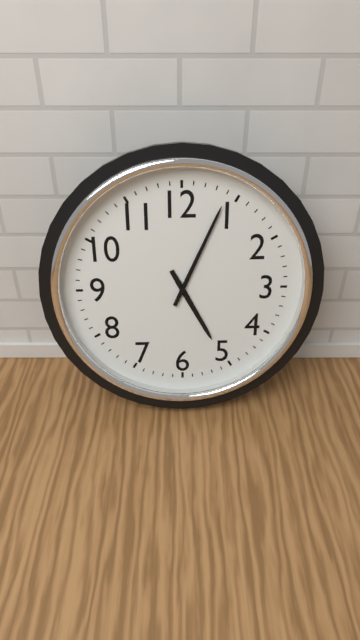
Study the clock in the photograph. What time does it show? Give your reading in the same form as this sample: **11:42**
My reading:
**5:04**
